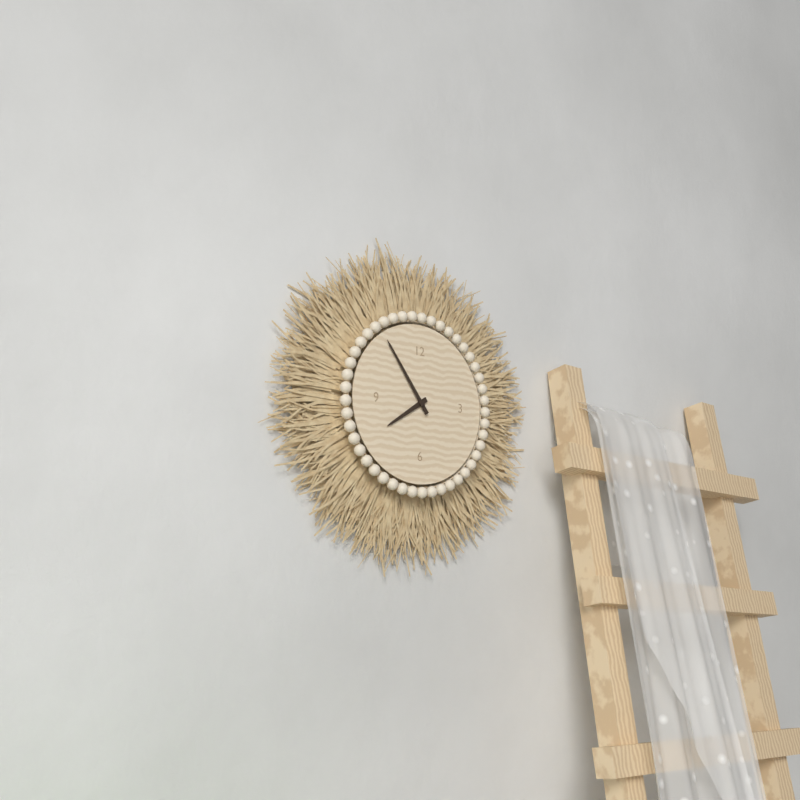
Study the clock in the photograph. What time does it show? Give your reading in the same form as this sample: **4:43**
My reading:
**7:54**
